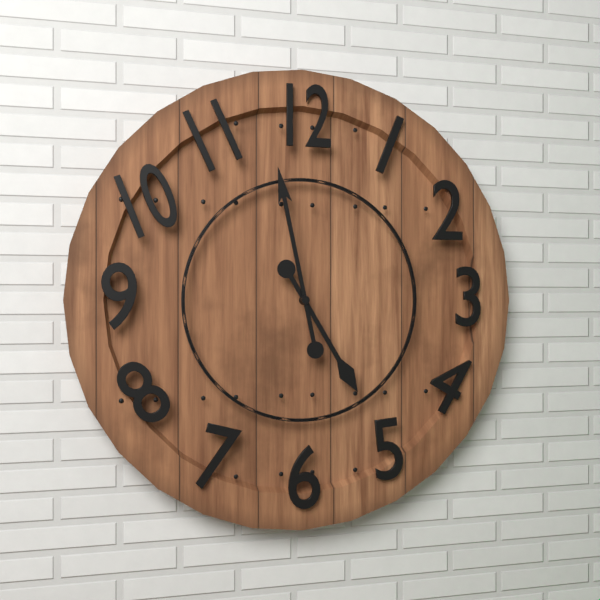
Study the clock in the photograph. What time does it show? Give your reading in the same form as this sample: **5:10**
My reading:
**4:58**
